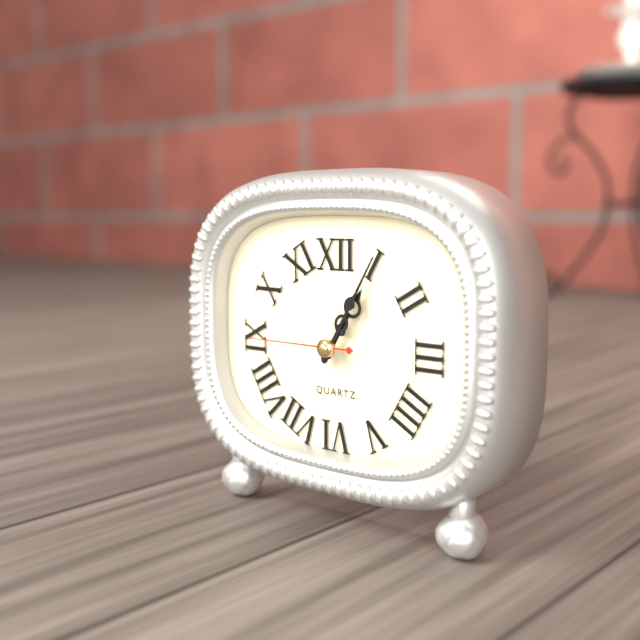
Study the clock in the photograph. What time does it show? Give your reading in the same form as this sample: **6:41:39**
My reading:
**1:05:45**
